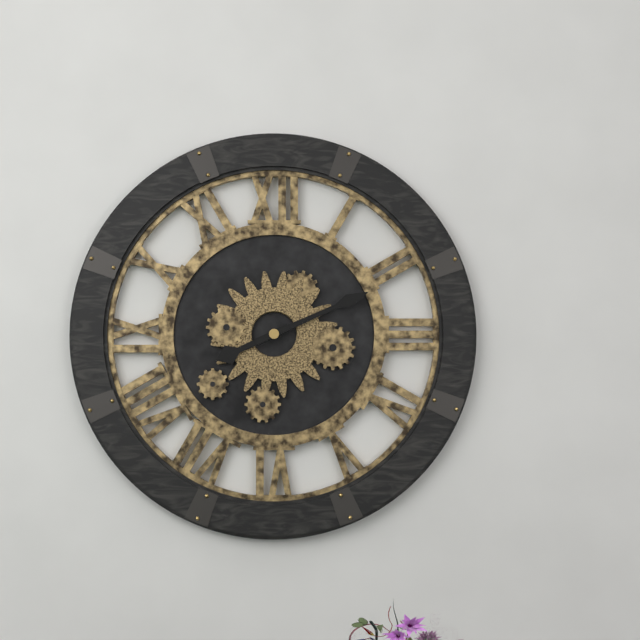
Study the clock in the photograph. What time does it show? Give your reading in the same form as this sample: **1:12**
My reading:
**8:11**
